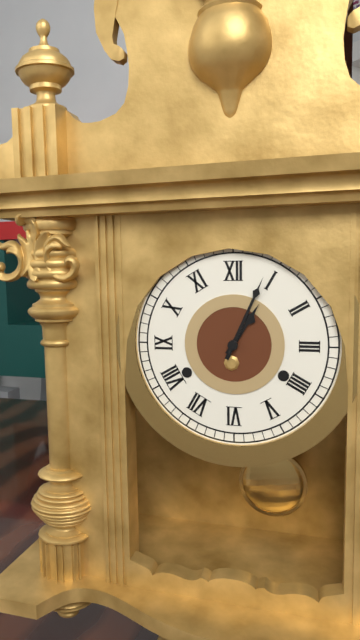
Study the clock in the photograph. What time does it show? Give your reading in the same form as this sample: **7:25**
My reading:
**1:04**
